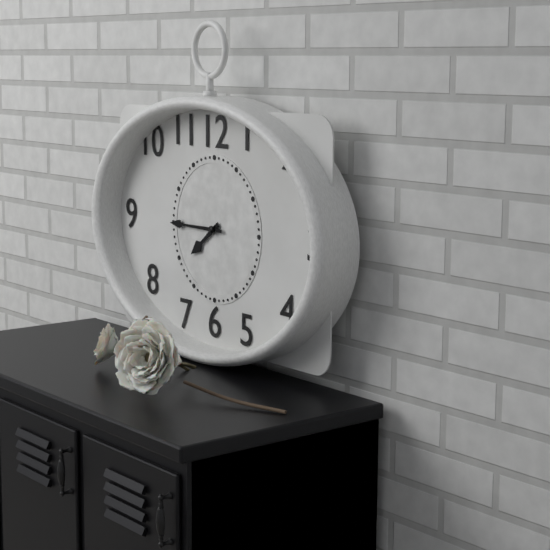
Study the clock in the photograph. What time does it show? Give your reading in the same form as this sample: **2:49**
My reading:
**7:45**
